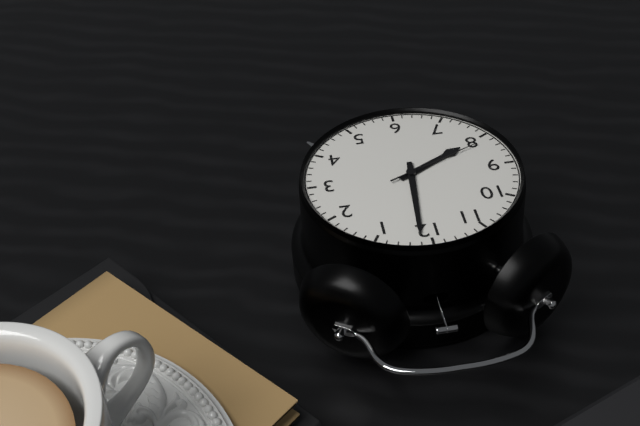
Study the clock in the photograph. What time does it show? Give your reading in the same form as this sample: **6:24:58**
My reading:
**8:01:41**
